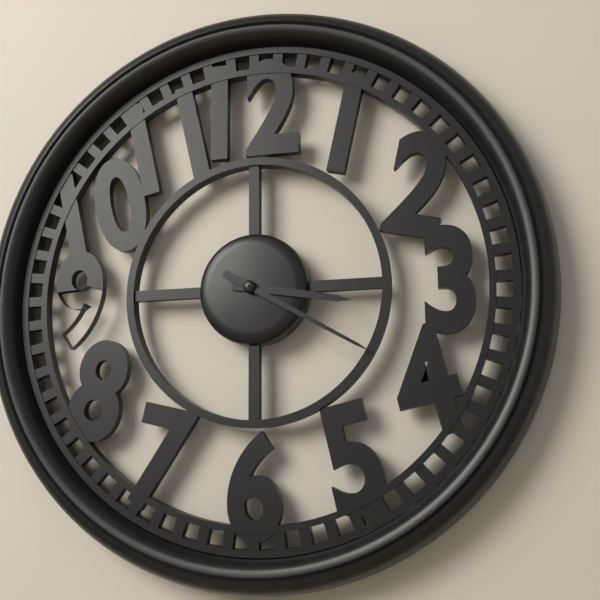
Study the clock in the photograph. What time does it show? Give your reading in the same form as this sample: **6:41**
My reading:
**3:20**
